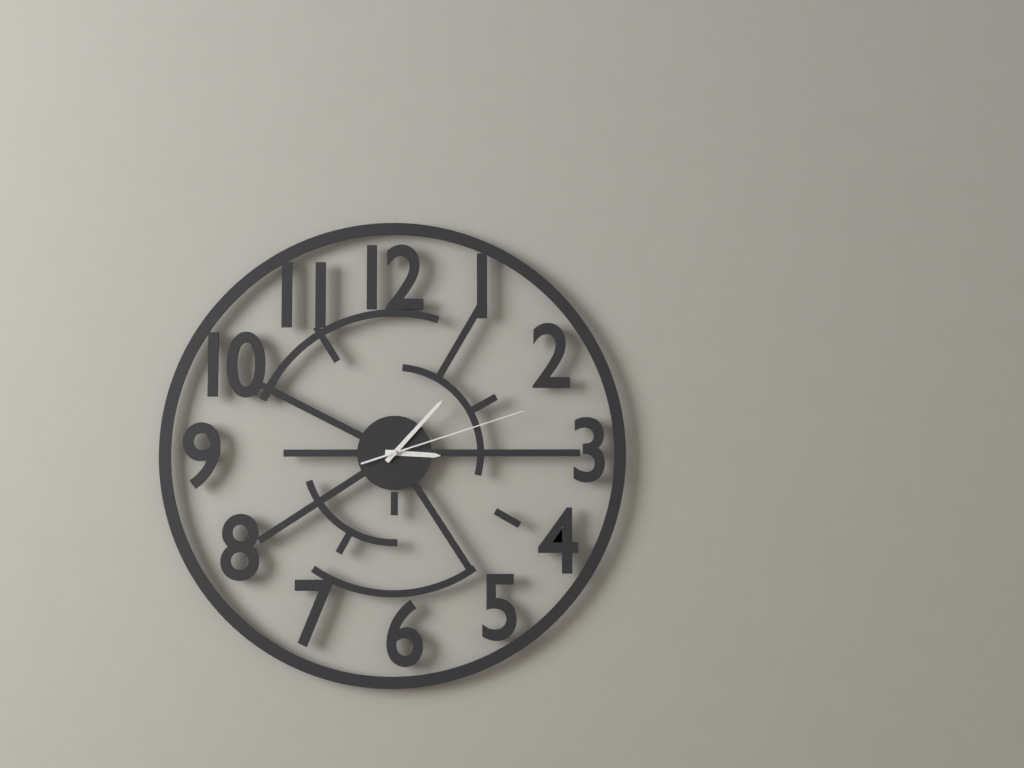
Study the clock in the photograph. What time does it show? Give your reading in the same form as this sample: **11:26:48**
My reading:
**3:07:12**
